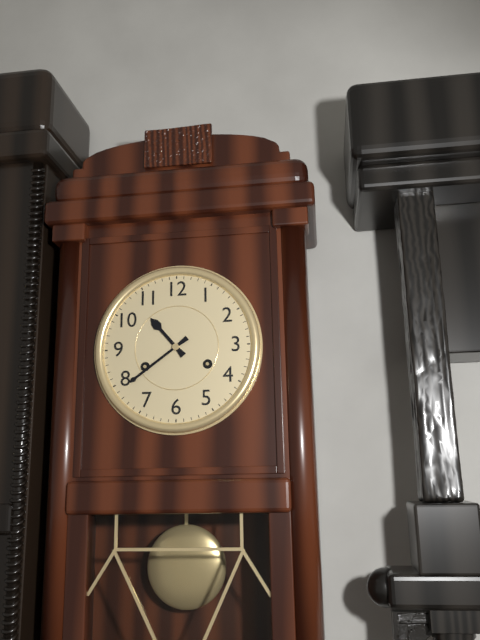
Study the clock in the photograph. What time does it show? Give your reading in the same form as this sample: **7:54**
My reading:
**10:39**
